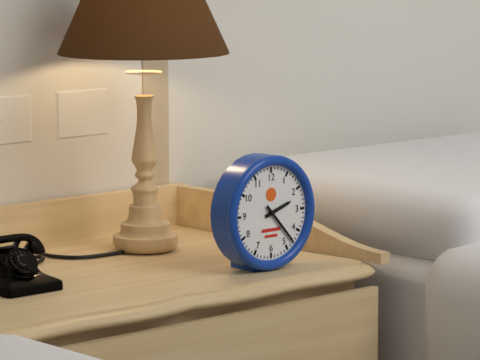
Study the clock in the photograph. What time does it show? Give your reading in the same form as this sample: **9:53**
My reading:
**2:23**
